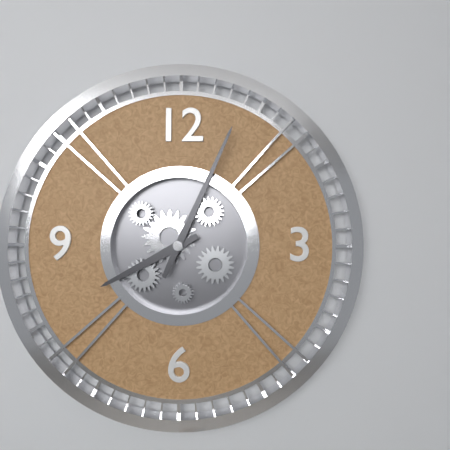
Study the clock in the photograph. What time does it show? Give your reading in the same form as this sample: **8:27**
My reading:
**8:04**
